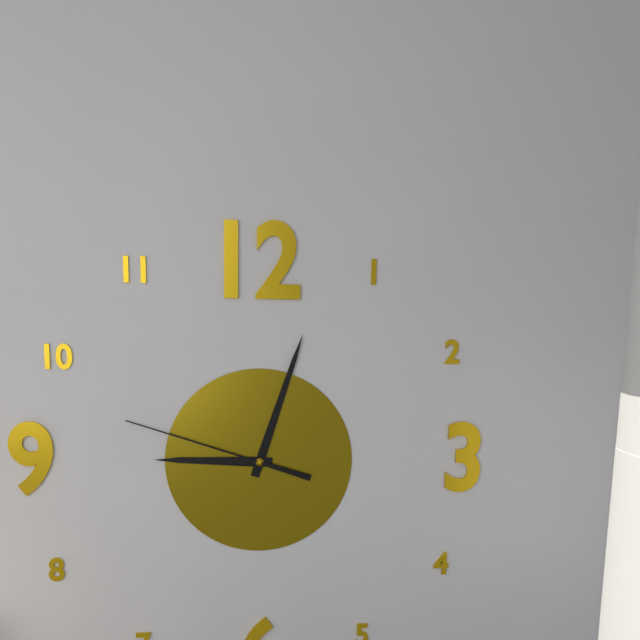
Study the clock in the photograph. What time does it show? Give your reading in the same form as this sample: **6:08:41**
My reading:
**9:03:48**
